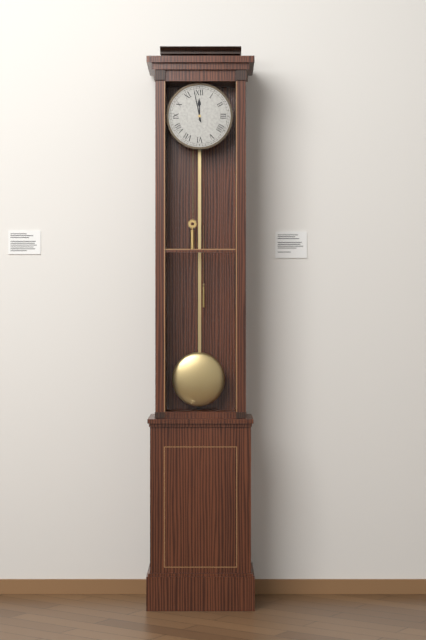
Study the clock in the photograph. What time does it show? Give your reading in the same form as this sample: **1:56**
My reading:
**11:58**
